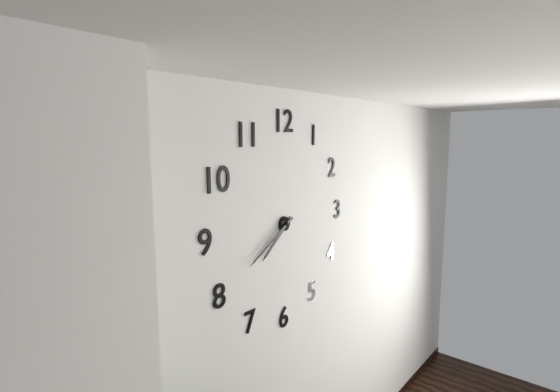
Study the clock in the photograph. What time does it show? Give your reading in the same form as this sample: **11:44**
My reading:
**7:40**
